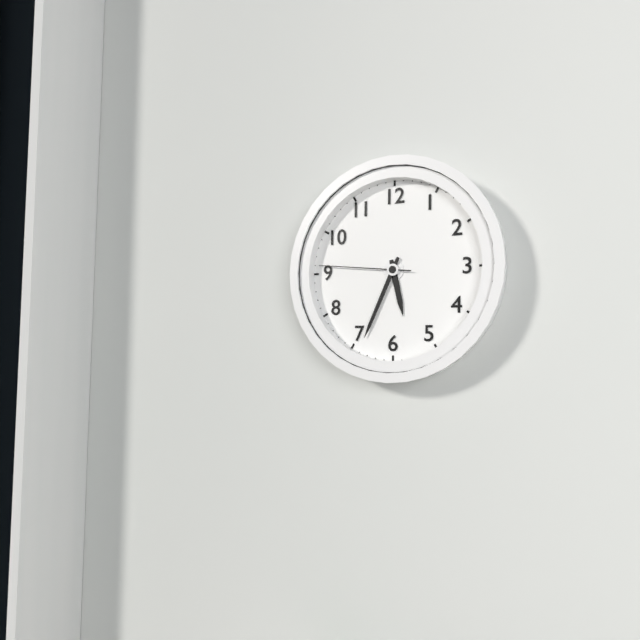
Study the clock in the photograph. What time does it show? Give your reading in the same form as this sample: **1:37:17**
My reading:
**5:34:46**
